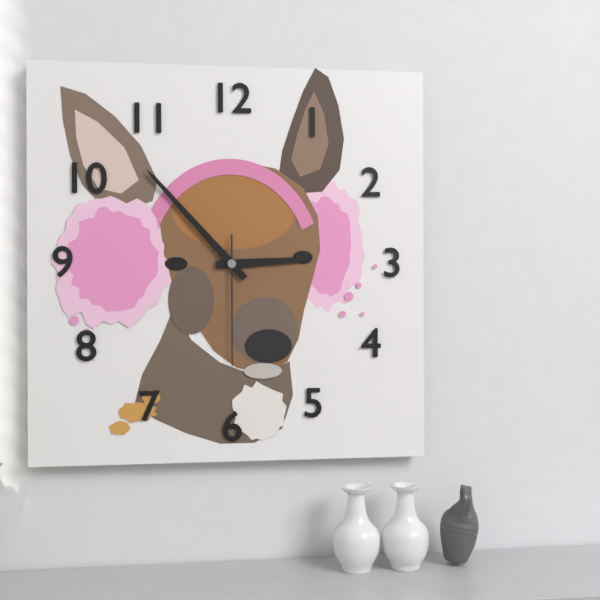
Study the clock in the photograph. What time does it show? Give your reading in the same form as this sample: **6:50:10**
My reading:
**2:53:30**
